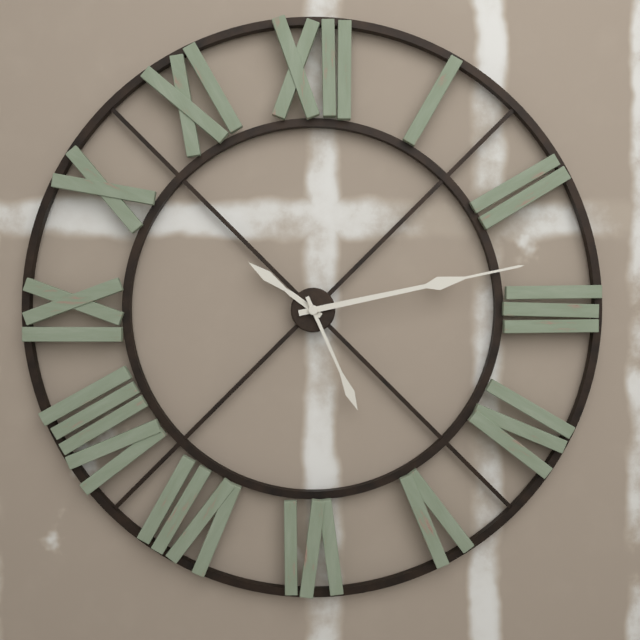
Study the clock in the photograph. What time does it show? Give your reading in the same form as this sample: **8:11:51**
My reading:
**10:13:26**
